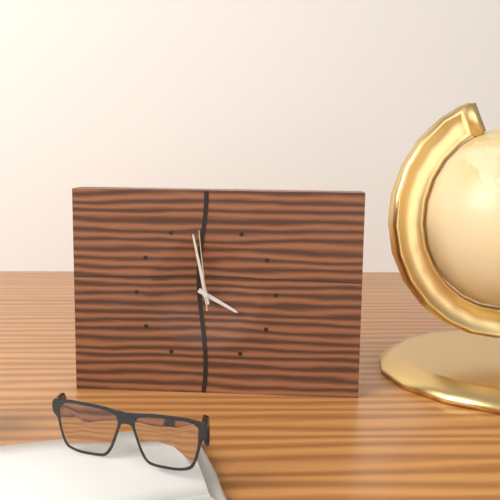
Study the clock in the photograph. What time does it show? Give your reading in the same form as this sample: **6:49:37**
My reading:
**3:58:59**
